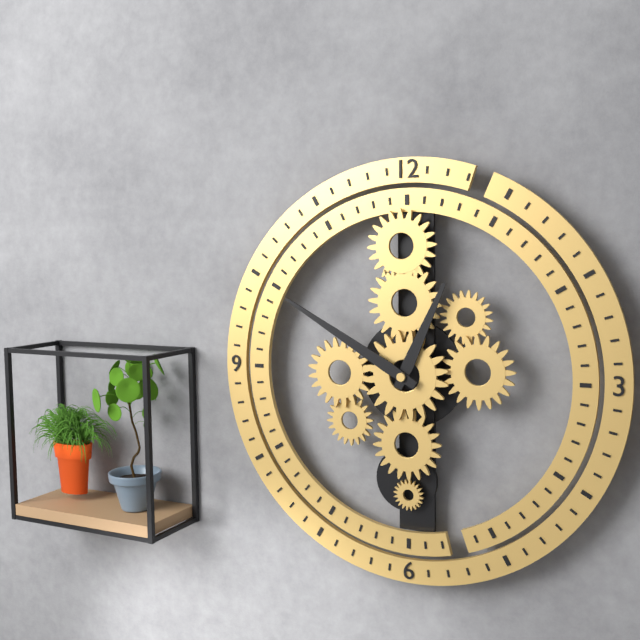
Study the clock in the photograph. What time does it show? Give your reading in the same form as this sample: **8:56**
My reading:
**12:50**
